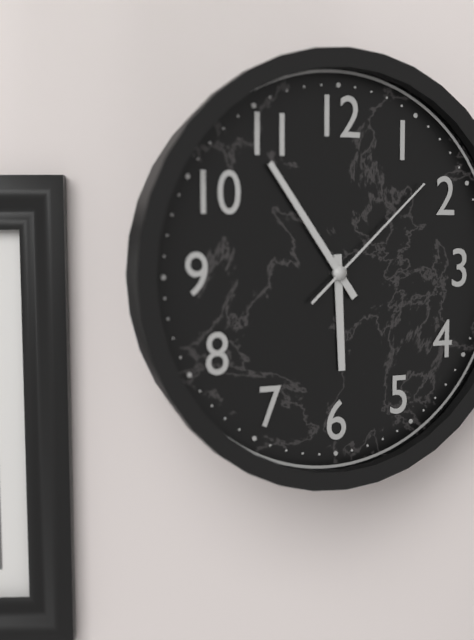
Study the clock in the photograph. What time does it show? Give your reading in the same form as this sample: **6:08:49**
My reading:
**5:54:08**
